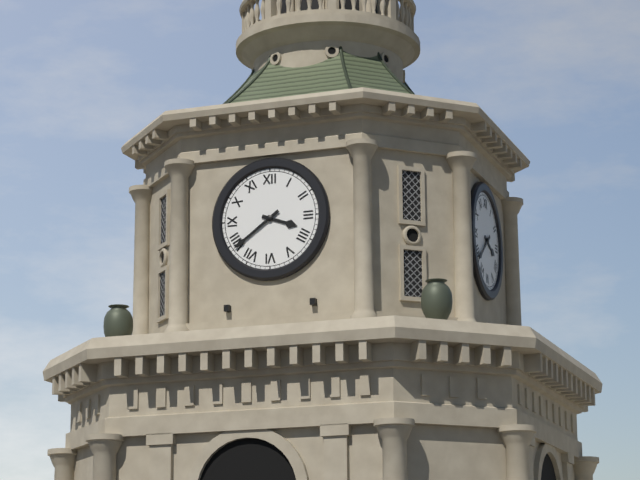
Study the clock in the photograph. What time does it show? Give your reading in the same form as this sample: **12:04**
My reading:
**3:39**
